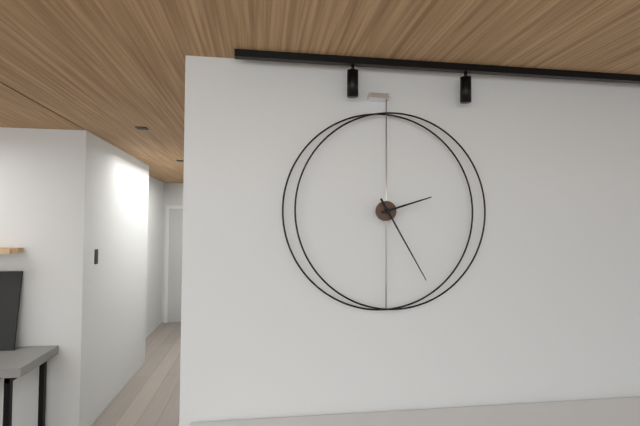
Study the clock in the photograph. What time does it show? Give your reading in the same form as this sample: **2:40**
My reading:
**2:25**
